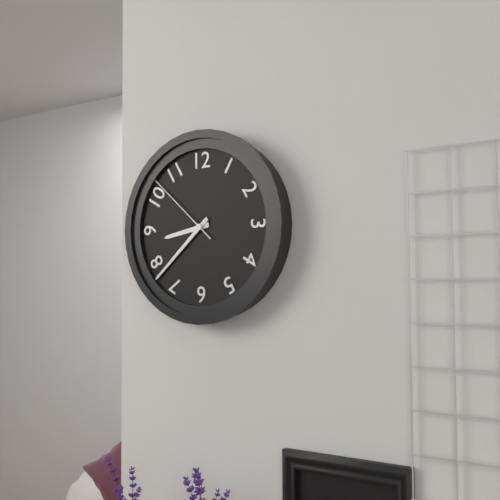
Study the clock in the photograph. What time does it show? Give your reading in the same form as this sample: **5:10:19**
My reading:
**8:38:52**
